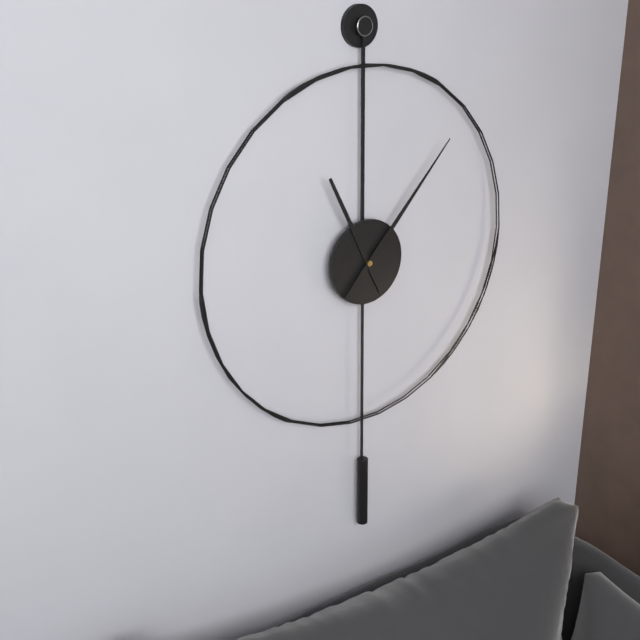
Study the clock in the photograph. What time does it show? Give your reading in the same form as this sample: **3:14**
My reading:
**11:07**
